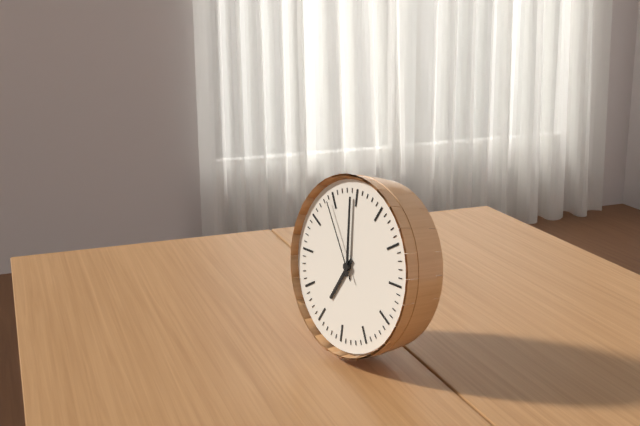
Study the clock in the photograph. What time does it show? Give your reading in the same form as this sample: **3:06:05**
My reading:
**6:59:54**
